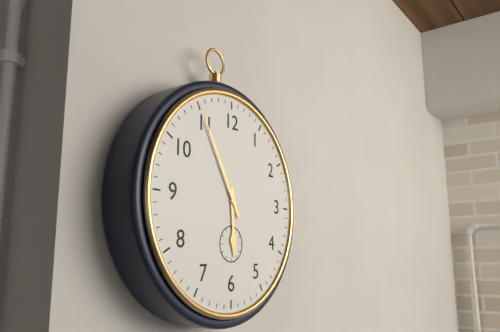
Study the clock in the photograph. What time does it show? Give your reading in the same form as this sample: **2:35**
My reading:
**5:55**
